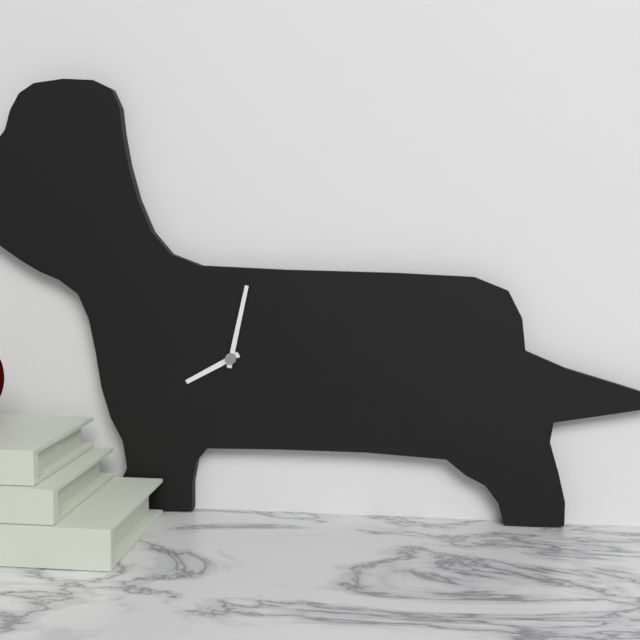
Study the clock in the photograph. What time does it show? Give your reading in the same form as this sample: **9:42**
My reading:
**8:02**
